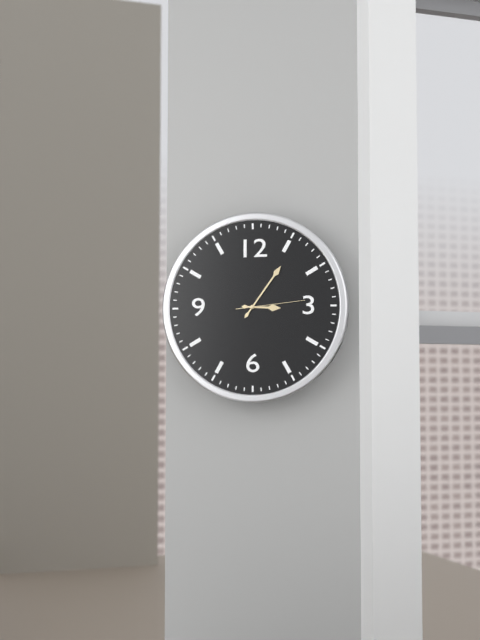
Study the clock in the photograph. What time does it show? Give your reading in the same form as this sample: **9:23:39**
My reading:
**3:06:14**
